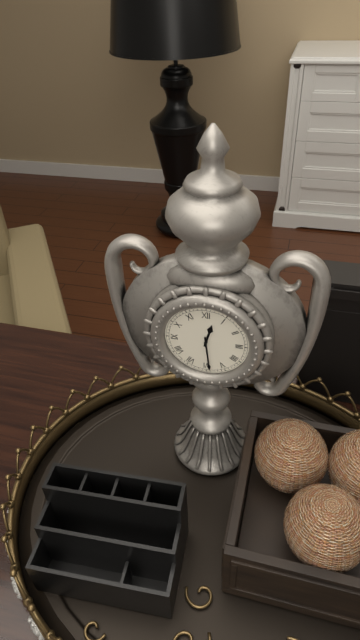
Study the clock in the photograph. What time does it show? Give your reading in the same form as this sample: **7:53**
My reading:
**12:29**
